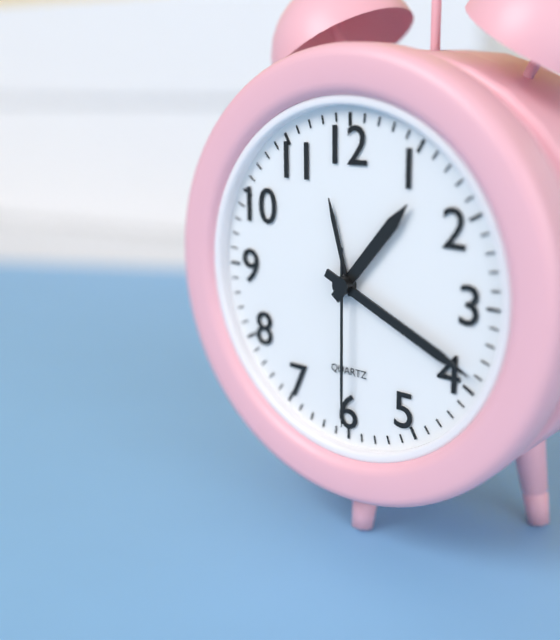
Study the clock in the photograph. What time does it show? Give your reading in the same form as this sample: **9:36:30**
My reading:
**1:19:30**
